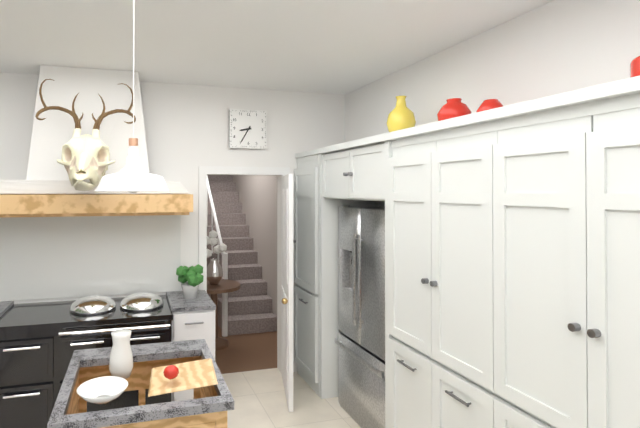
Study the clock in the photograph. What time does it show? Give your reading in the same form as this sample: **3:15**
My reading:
**8:35**
